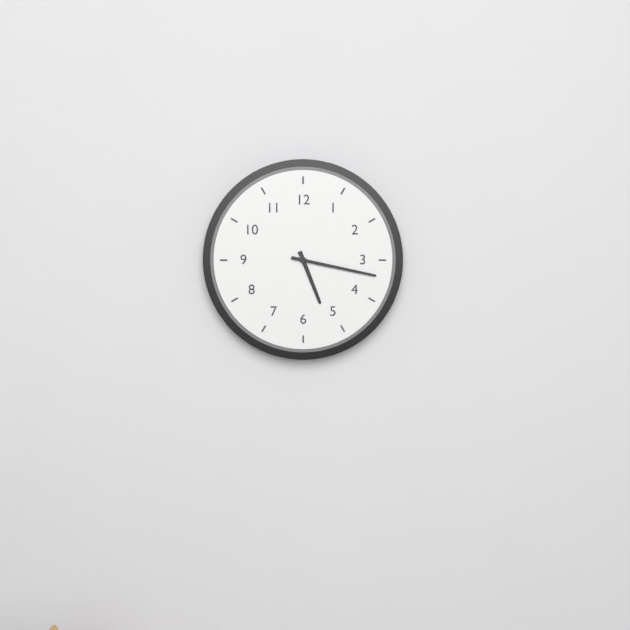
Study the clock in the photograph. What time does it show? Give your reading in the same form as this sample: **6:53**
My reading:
**5:17**
